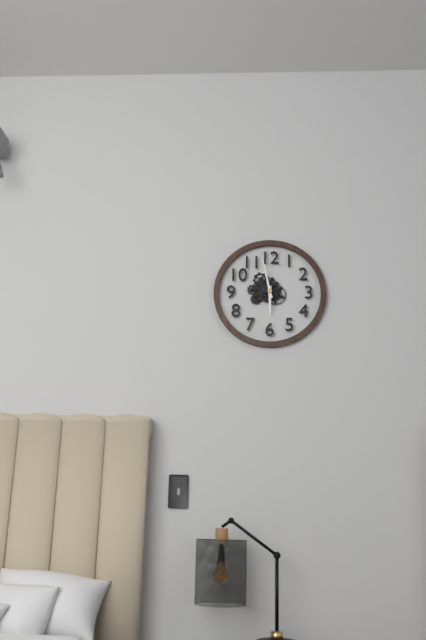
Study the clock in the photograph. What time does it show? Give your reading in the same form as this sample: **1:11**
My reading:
**5:58**
